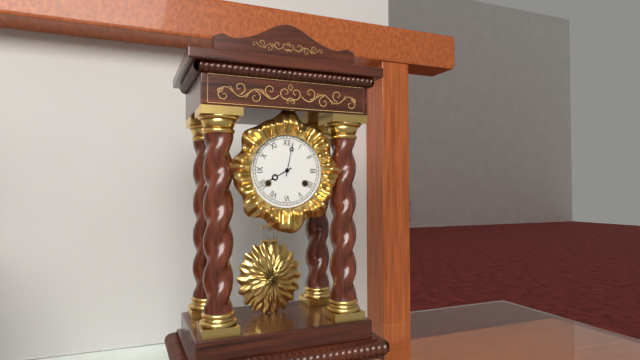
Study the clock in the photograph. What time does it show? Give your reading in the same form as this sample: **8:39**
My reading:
**8:02**
